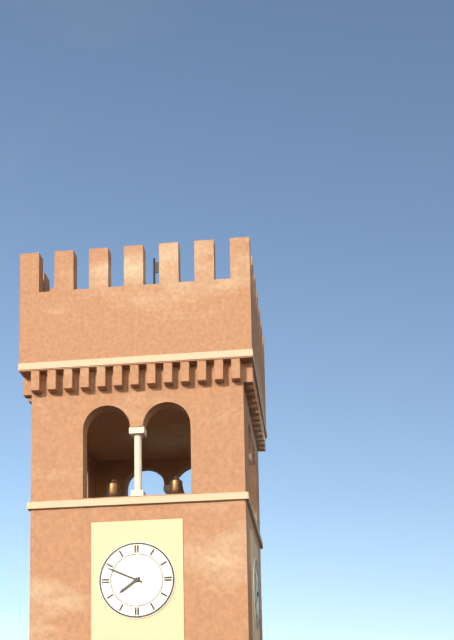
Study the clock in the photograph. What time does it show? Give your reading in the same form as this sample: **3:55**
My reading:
**7:49**
